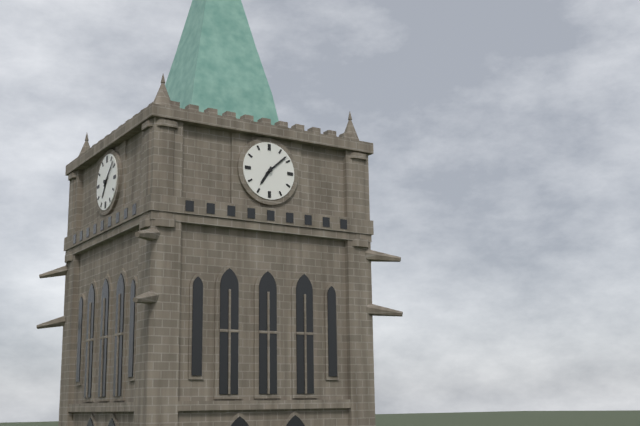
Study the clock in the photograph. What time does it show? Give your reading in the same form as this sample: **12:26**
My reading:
**7:08**
